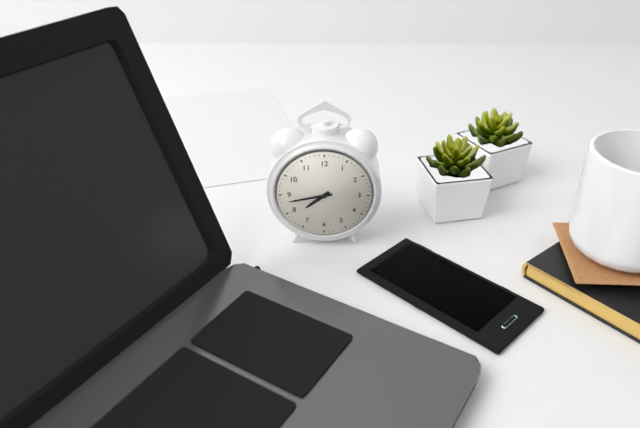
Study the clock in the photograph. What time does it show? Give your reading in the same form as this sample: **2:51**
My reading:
**7:43**
